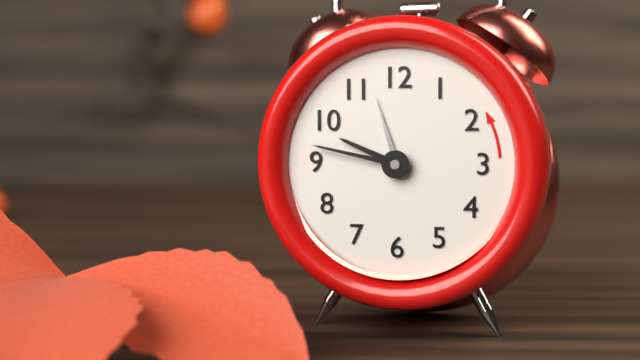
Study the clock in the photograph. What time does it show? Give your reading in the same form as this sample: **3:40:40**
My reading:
**9:47:57**
